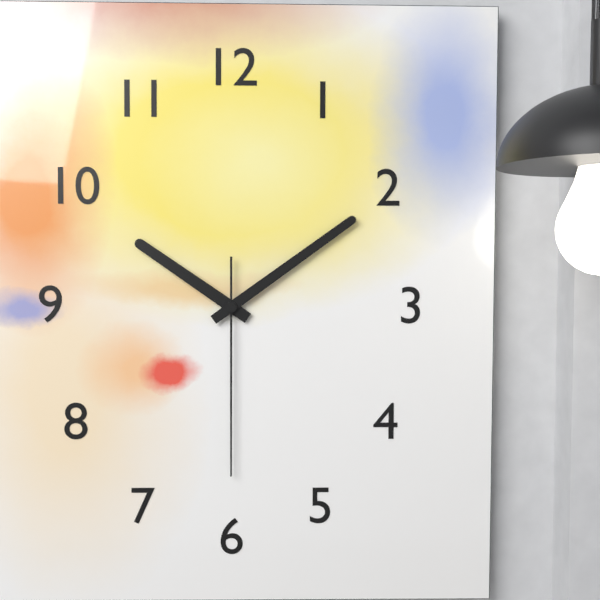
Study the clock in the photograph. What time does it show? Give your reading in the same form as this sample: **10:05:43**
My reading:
**10:09:30**
